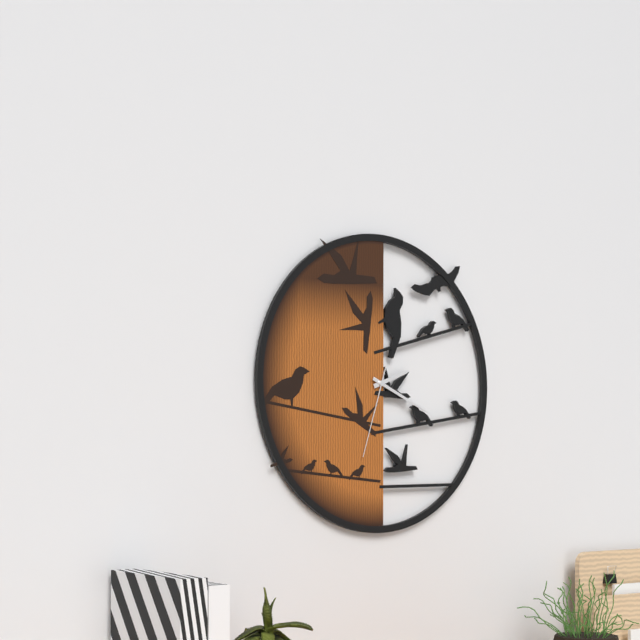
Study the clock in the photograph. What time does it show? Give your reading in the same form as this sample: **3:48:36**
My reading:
**2:19:33**
